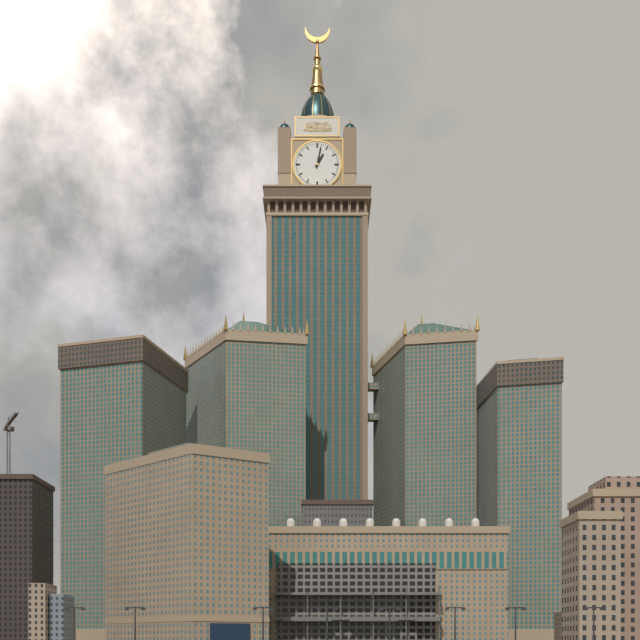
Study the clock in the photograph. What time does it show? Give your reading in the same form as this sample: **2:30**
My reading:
**1:02**
